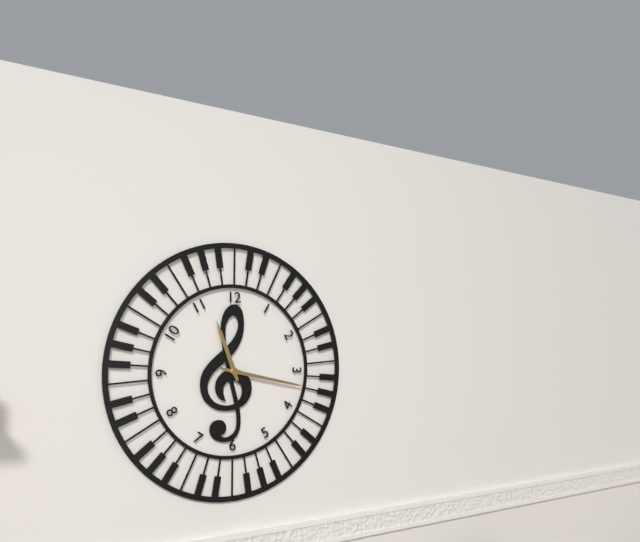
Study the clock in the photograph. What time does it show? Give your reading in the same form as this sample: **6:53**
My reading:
**11:17**
